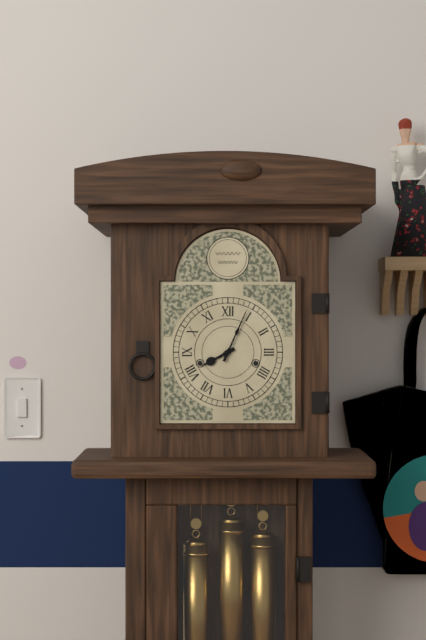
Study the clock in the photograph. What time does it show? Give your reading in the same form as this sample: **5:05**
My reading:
**8:04**
